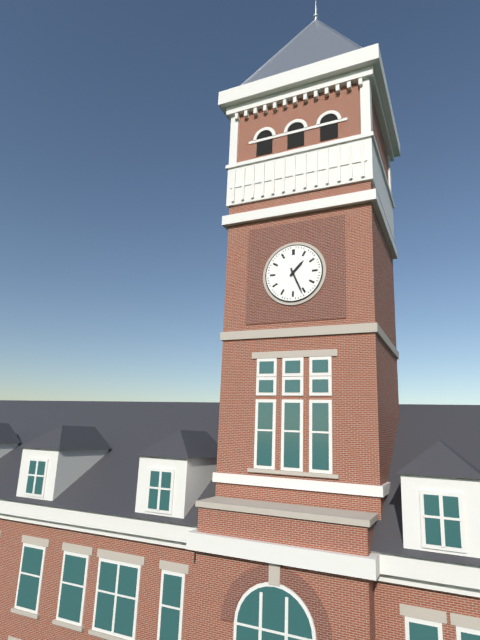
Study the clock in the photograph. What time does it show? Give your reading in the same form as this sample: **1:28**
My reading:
**1:26**
